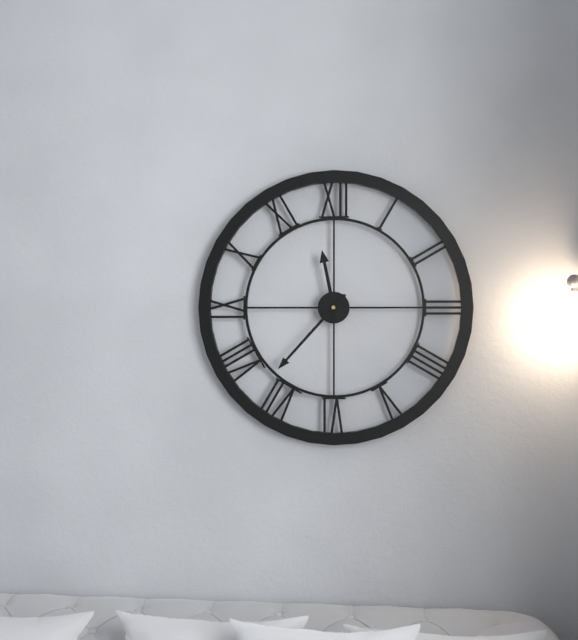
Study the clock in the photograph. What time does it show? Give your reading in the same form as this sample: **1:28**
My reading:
**11:37**
